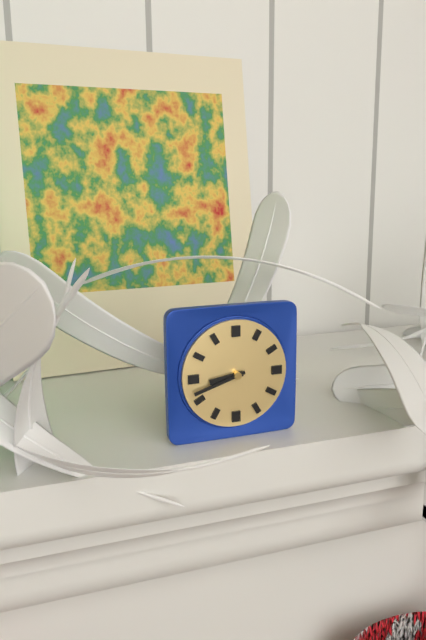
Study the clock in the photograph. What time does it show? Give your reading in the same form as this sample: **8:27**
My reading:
**8:42**
